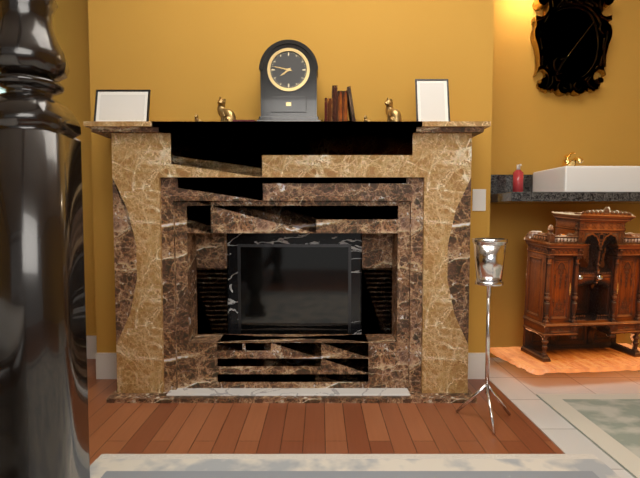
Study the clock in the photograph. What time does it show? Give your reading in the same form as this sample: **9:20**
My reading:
**7:47**
